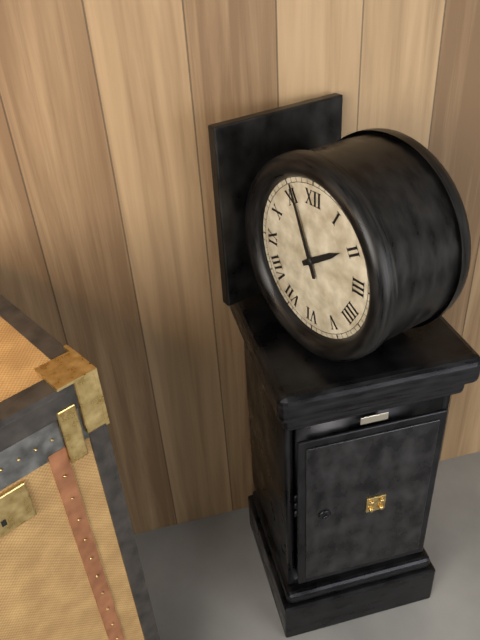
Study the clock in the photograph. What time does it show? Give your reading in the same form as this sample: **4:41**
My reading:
**1:56**
